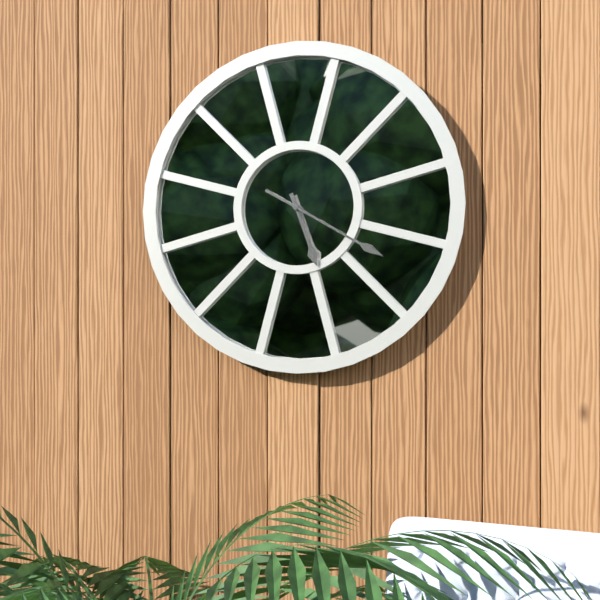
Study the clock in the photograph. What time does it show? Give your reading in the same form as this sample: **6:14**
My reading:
**5:20**
